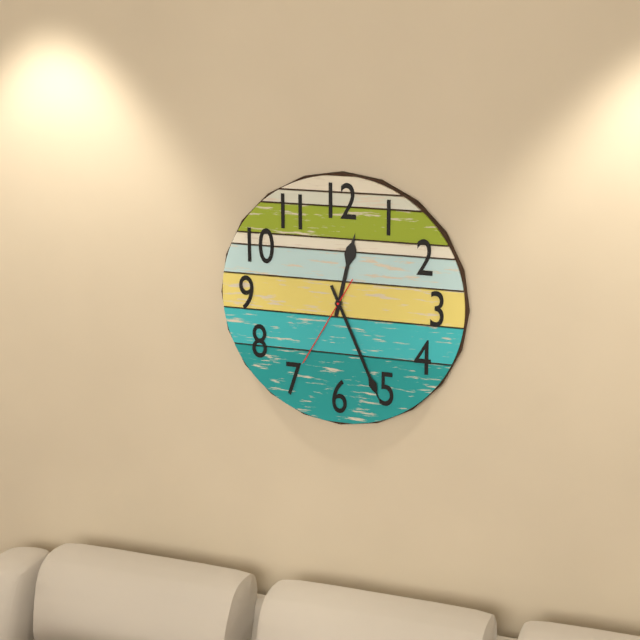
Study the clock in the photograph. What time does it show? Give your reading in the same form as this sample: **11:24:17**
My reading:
**12:26:35**
